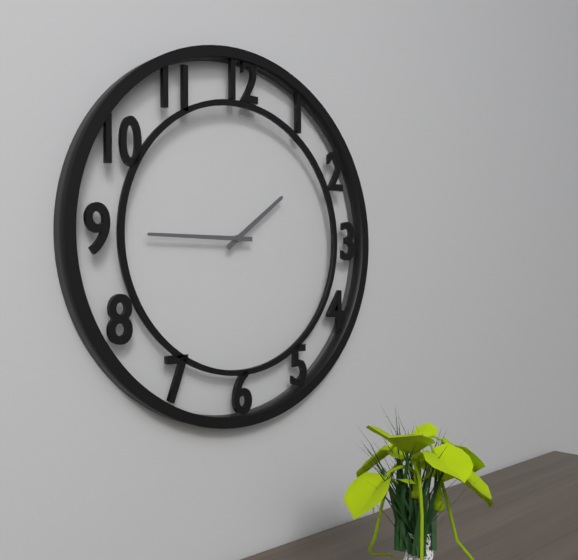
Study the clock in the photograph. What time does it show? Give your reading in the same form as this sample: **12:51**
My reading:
**1:45**
